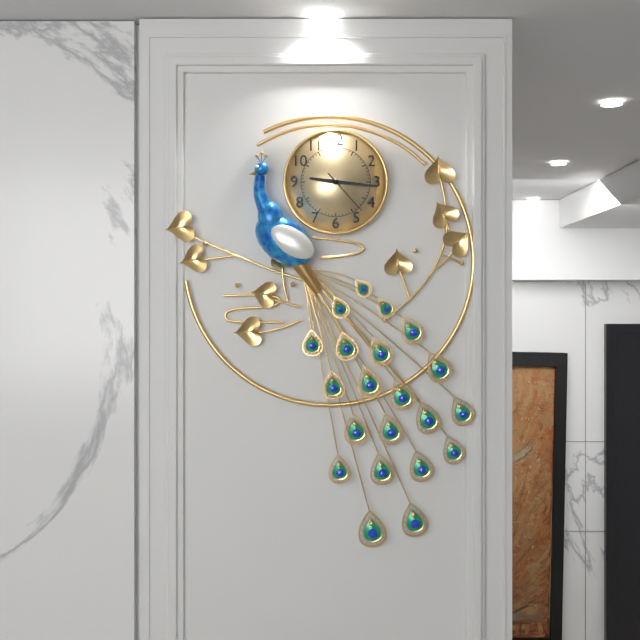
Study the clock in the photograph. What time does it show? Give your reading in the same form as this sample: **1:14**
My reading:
**9:16**
